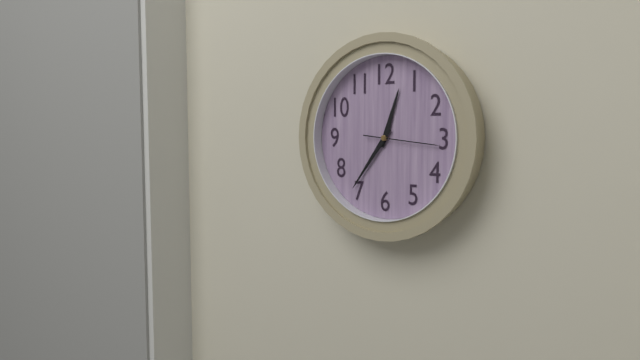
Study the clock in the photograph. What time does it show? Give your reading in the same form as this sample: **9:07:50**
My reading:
**12:36:16**
